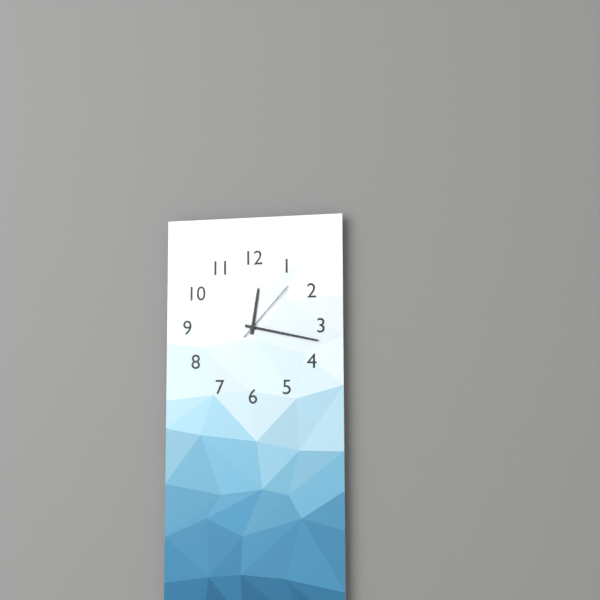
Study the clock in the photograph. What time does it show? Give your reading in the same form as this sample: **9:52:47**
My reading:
**12:17:07**
